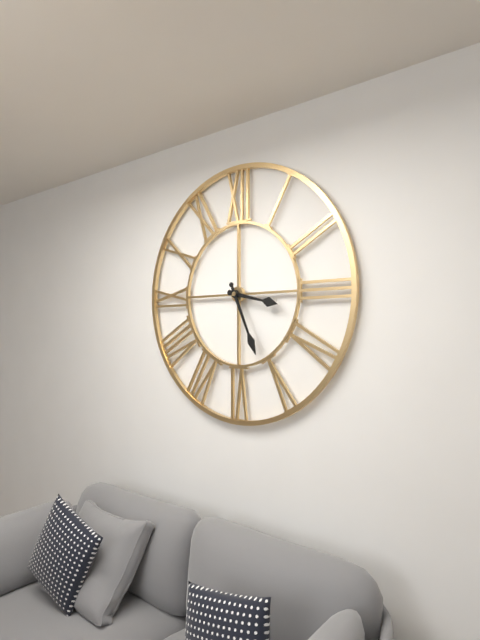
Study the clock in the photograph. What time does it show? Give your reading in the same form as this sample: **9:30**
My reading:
**3:26**
